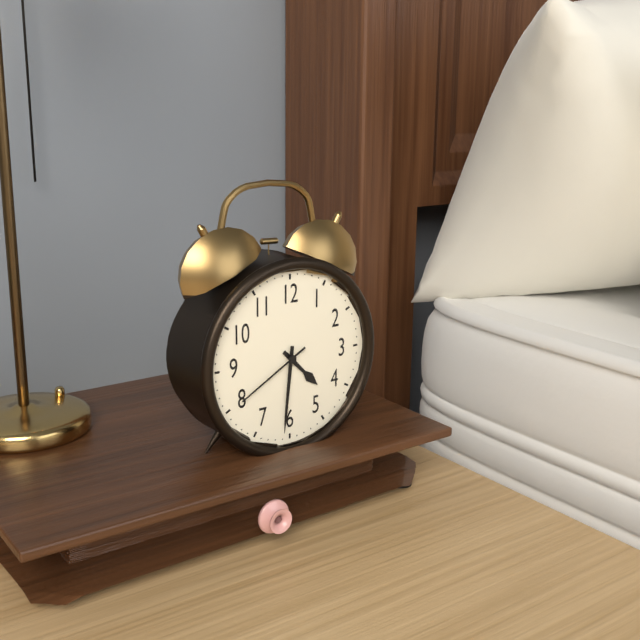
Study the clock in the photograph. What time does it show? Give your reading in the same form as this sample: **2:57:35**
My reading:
**4:31:40**
